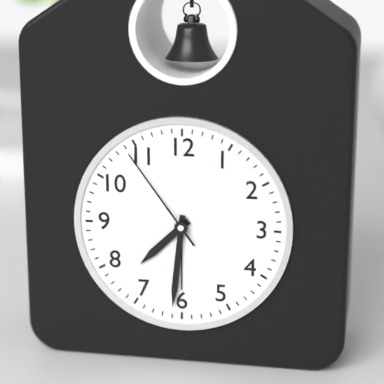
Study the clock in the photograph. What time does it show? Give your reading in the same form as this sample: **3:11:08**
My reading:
**7:31:54**
